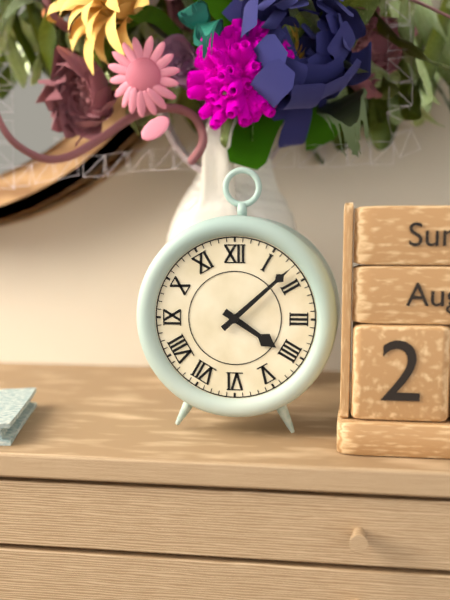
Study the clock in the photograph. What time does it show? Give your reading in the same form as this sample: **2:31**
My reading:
**4:08**
